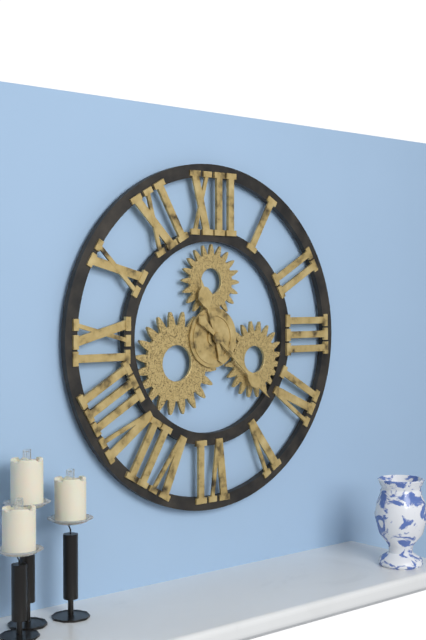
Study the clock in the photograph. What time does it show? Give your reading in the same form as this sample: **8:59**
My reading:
**11:22**
